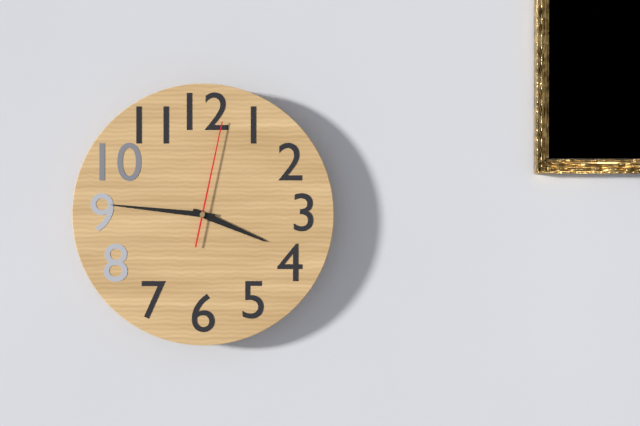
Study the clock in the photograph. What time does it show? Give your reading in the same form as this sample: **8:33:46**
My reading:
**3:46:02**
